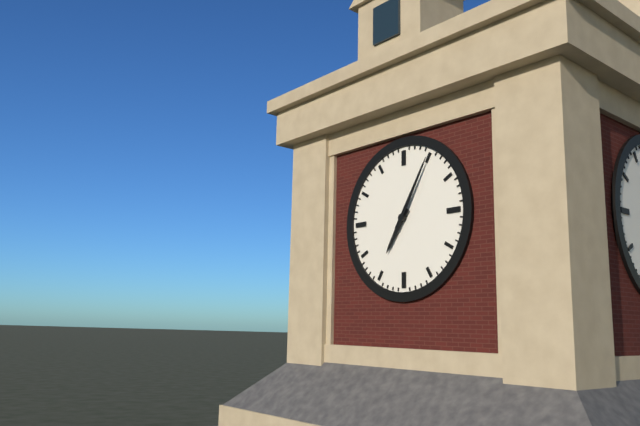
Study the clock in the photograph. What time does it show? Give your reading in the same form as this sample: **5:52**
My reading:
**7:05**
